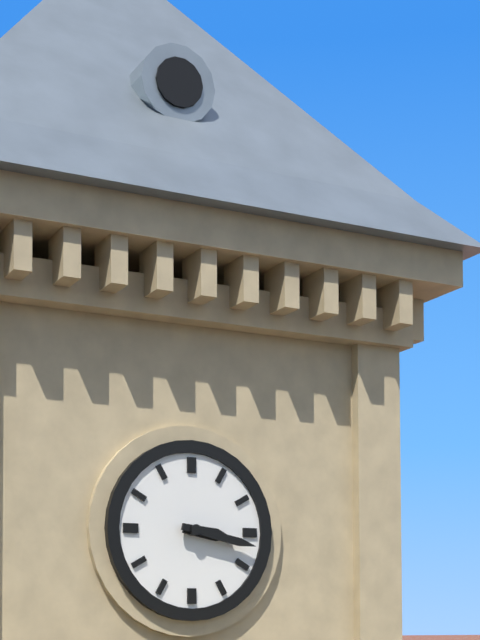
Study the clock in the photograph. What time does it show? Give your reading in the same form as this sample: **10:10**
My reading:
**3:17**
